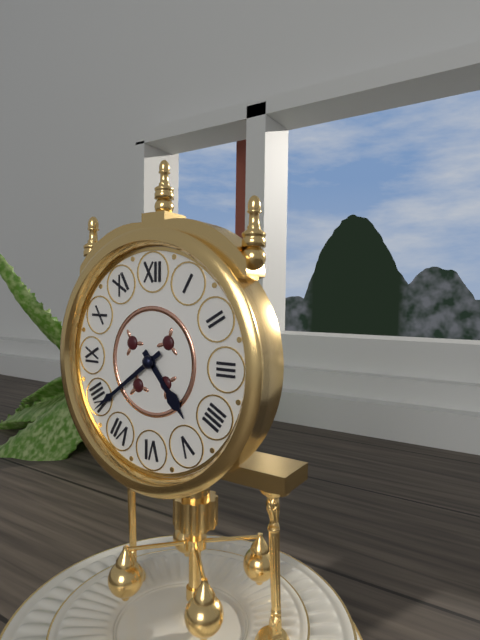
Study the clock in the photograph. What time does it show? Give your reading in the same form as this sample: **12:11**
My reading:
**4:39**
